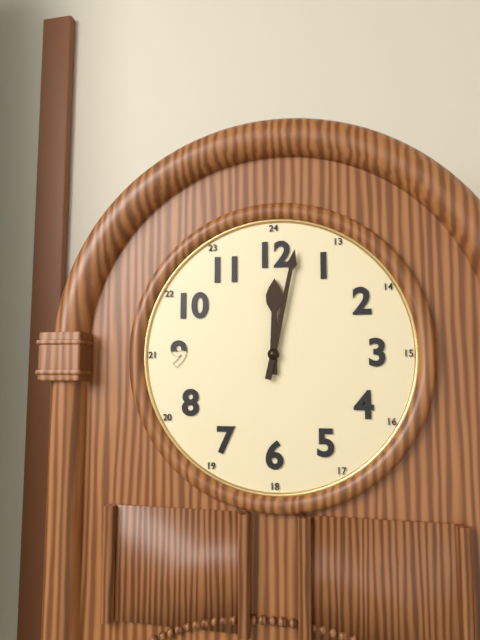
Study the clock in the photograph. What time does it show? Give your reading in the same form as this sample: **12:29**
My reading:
**12:02**
